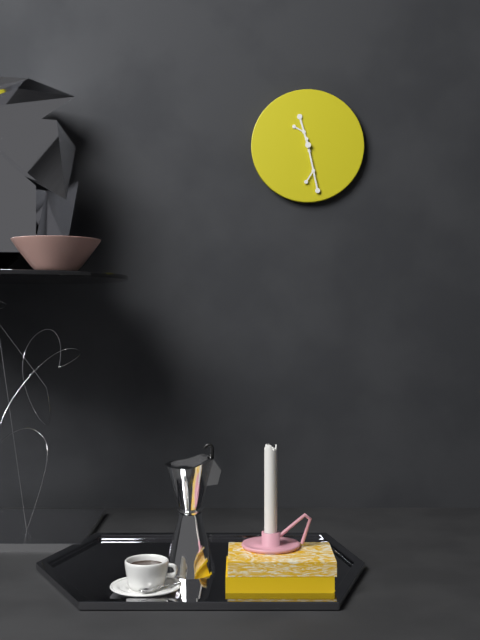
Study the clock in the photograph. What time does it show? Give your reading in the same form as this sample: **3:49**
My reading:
**11:28**
